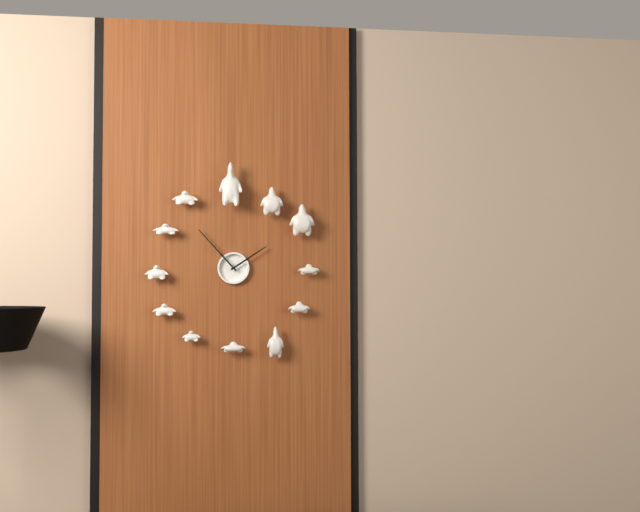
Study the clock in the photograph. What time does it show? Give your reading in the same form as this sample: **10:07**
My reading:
**1:53**
